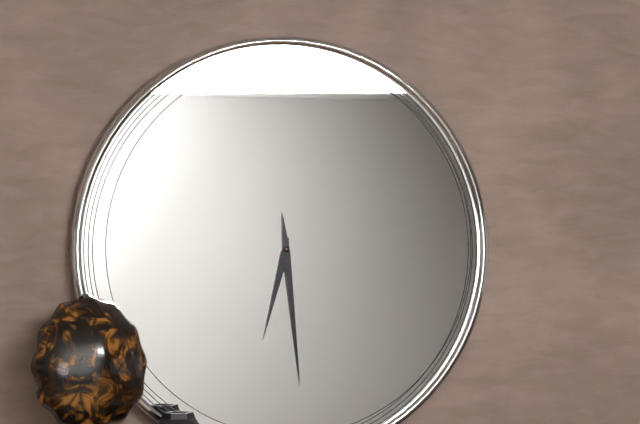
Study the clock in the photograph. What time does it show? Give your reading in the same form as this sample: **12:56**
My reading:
**6:29**
